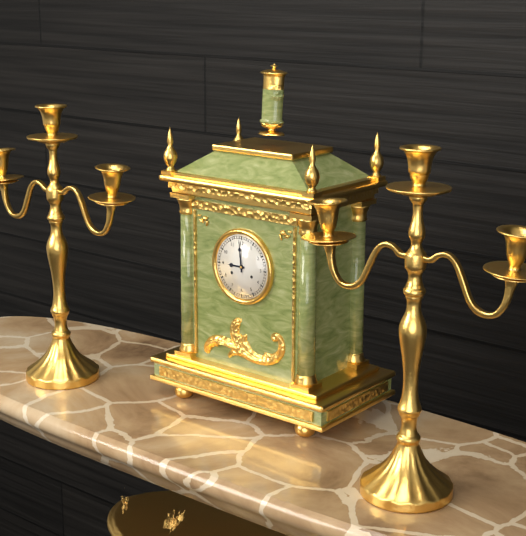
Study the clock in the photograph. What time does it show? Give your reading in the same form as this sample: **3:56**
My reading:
**8:59**
